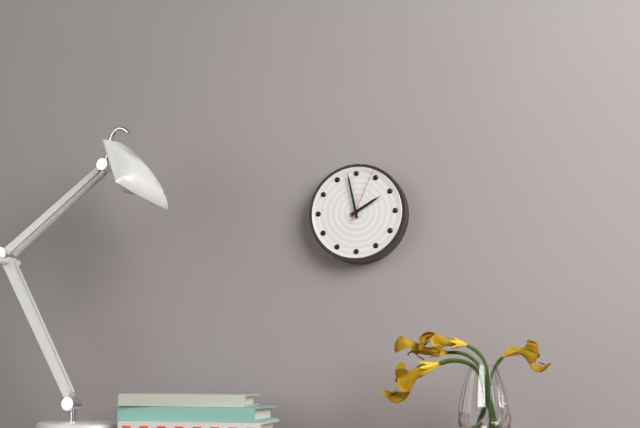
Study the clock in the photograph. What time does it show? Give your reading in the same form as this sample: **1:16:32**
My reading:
**1:58:04**
